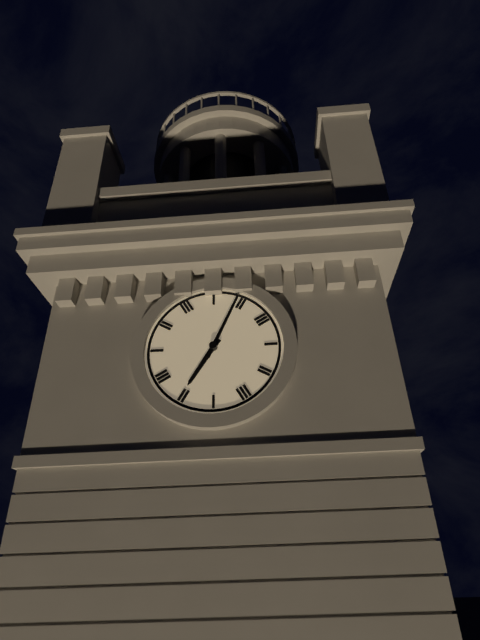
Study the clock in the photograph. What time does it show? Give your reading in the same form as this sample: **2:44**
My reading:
**7:04**
